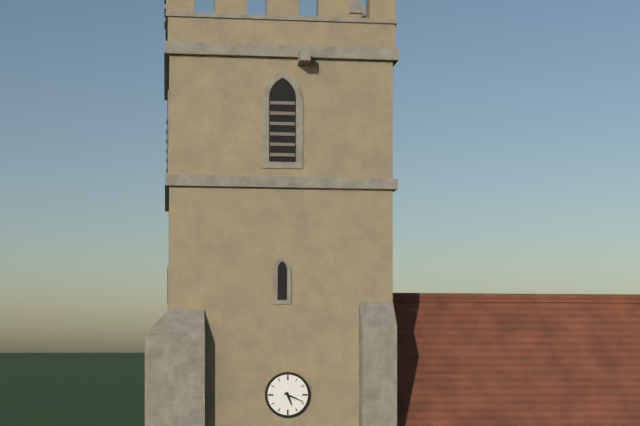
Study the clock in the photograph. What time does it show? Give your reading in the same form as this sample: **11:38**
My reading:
**5:19**
